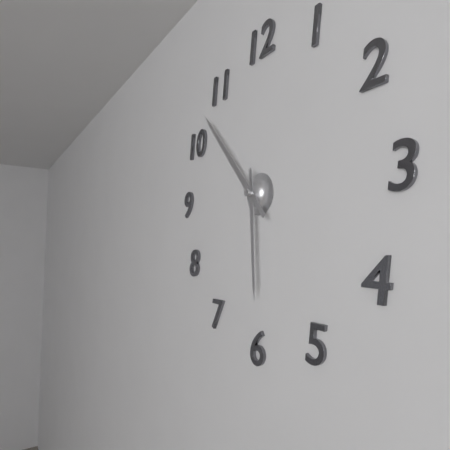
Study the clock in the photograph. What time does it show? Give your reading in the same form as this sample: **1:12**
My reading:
**5:53**
